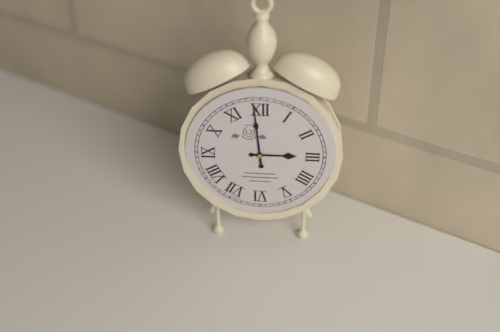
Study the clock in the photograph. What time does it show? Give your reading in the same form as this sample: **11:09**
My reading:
**2:59**
